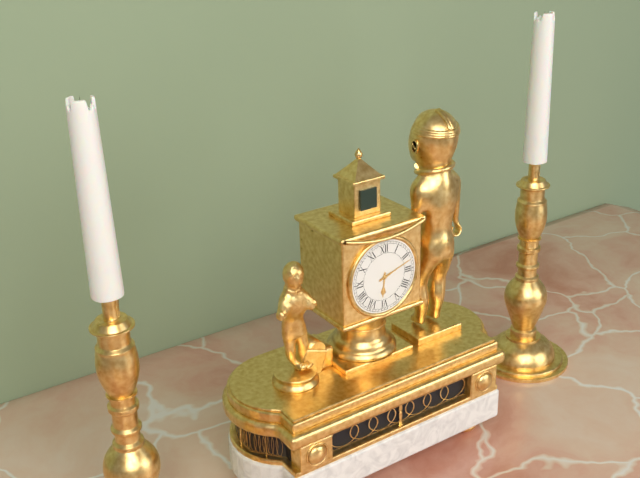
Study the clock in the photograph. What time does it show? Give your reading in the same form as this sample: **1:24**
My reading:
**6:12**
